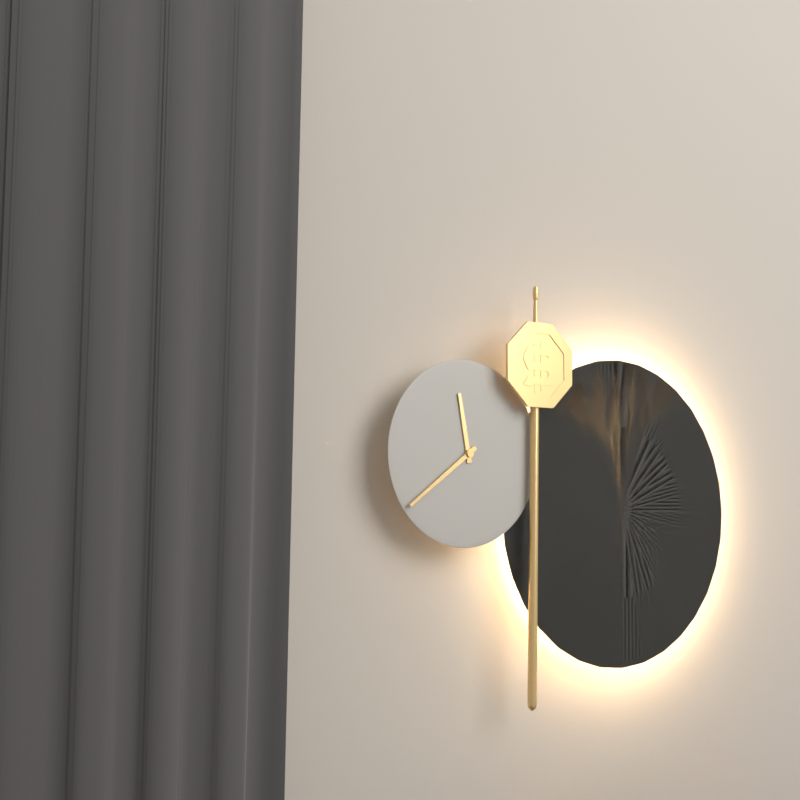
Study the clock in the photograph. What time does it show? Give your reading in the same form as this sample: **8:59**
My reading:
**11:39**
